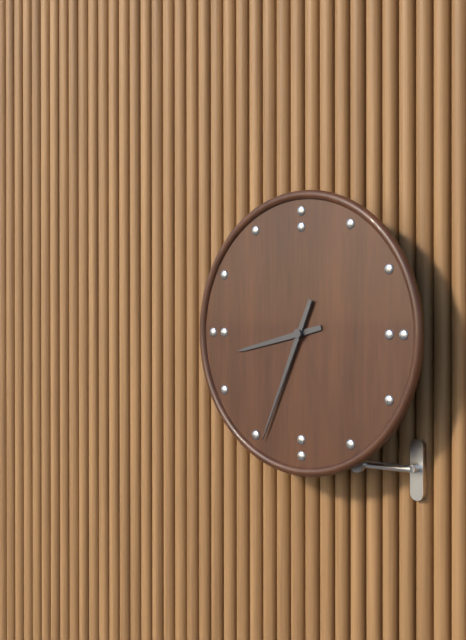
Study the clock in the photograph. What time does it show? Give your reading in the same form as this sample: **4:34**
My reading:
**8:34**
